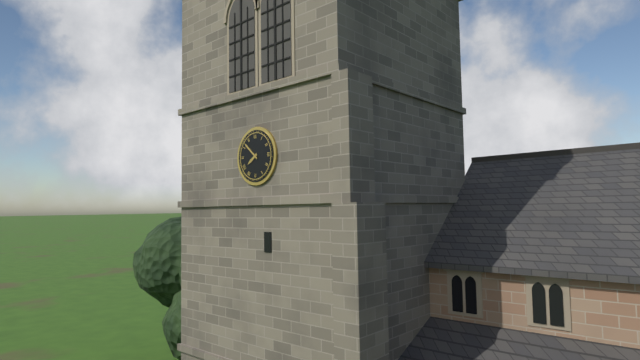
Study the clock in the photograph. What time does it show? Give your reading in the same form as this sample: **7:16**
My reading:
**7:52**
